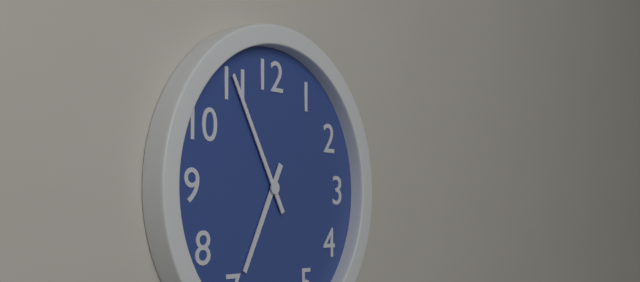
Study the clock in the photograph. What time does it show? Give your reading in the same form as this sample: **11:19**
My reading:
**6:55**
